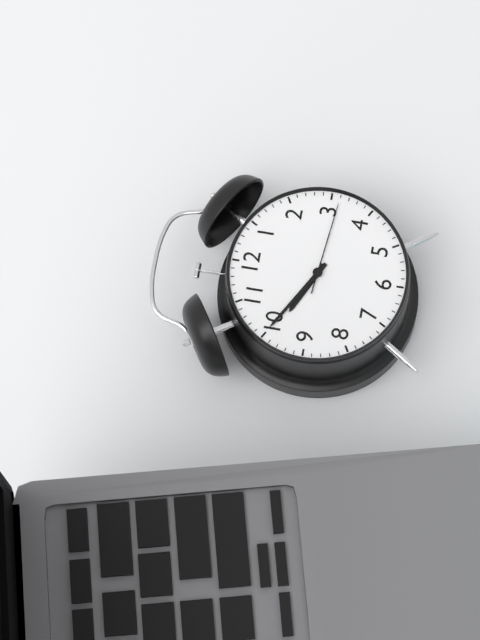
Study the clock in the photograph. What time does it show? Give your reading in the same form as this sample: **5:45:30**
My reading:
**9:50:16**
